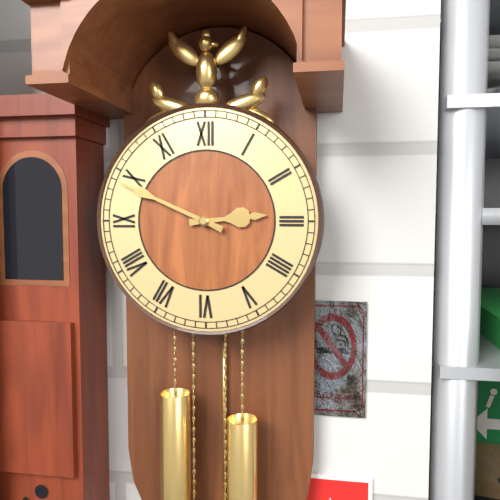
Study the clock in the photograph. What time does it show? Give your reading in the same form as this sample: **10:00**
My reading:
**2:49**
